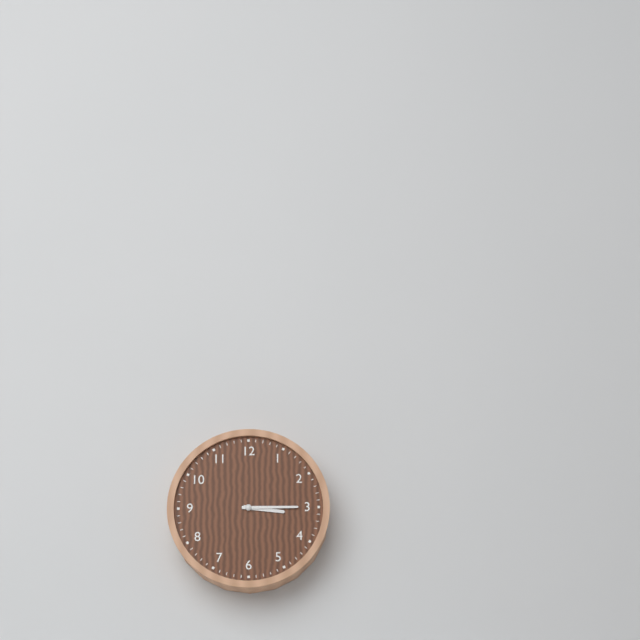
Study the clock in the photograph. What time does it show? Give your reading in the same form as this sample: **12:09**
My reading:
**3:15**
